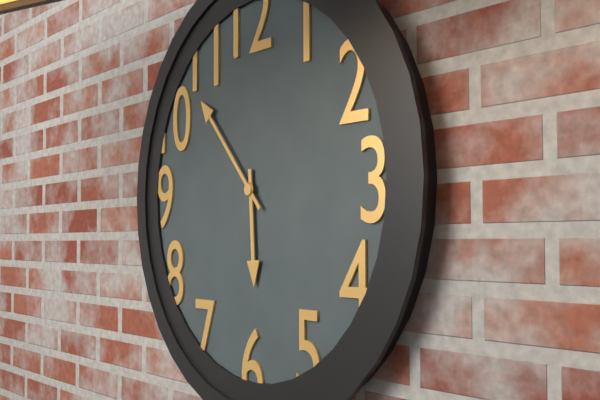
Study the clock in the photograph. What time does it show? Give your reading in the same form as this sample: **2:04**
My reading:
**5:53**
